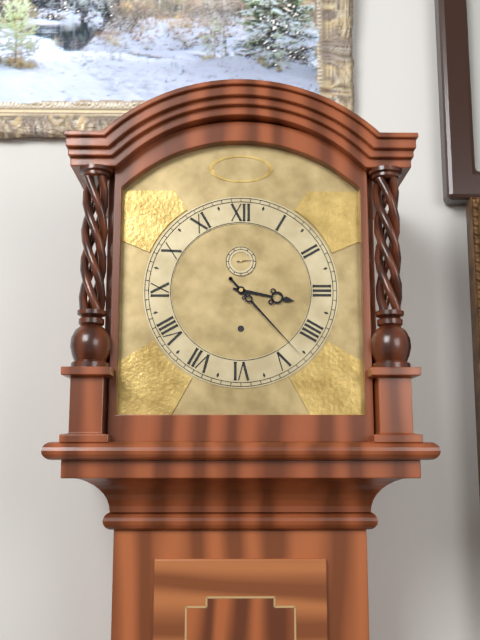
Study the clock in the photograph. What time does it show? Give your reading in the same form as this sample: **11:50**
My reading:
**3:23**
